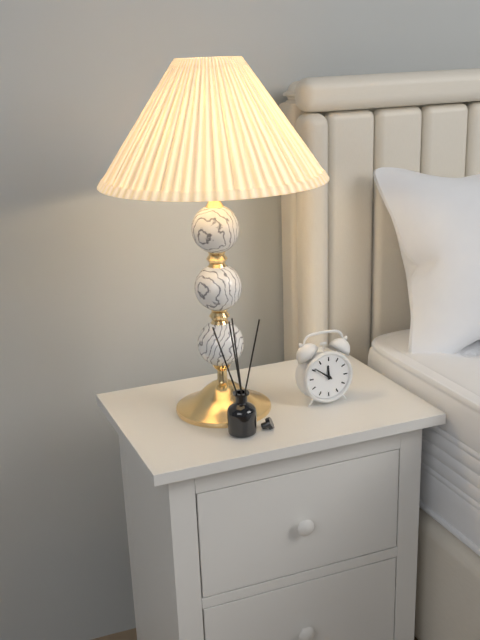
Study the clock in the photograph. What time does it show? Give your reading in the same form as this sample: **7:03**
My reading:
**11:51**
